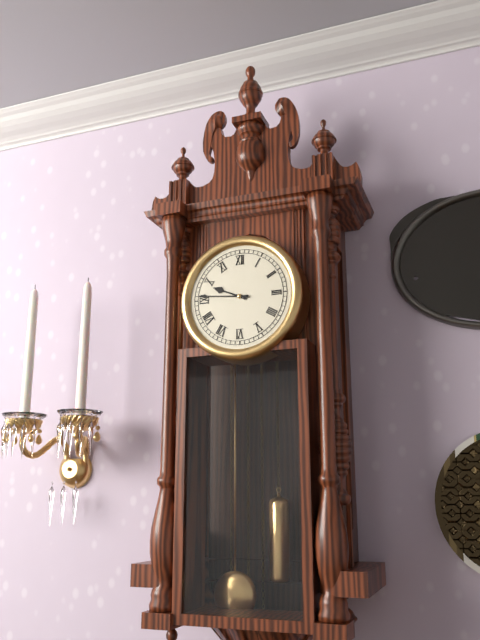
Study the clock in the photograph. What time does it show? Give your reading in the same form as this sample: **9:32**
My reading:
**9:46**
